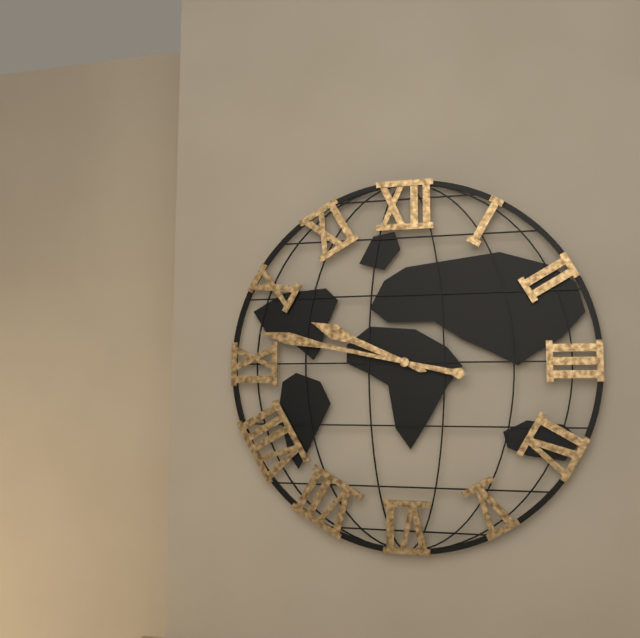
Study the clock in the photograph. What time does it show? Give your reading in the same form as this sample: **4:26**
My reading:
**9:47**
